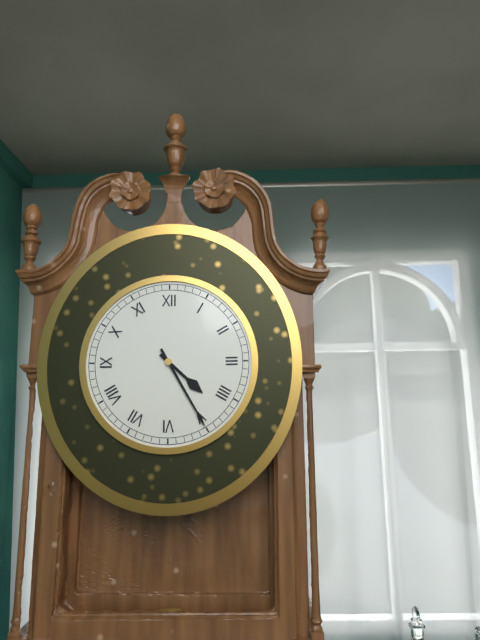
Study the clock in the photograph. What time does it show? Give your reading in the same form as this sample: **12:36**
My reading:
**4:25**
